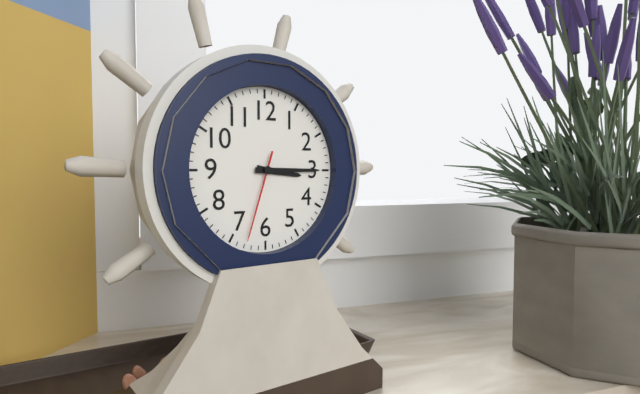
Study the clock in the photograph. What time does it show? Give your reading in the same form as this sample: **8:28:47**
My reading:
**3:15:33**
